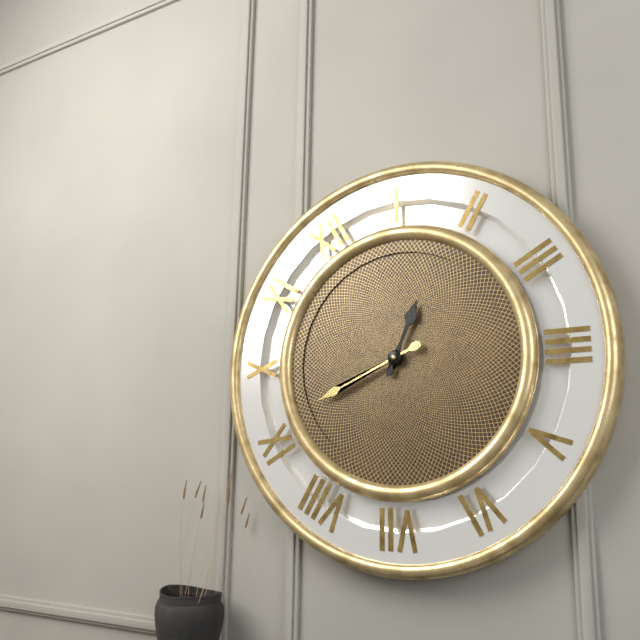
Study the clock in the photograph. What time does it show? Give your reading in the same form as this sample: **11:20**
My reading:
**1:46**
